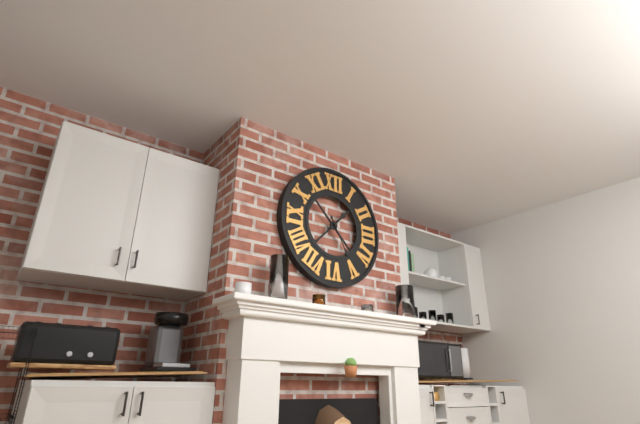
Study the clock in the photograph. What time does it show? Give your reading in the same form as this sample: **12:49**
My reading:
**1:25**
